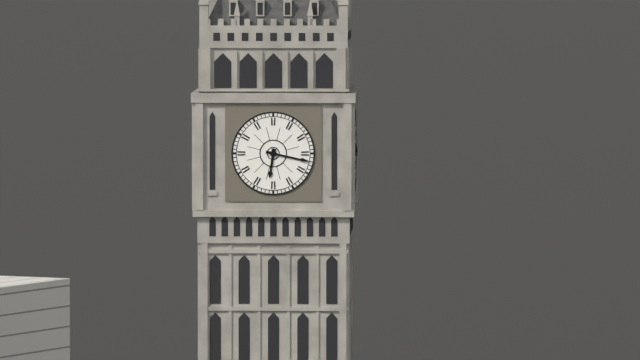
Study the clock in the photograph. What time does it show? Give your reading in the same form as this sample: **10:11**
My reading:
**6:17**
